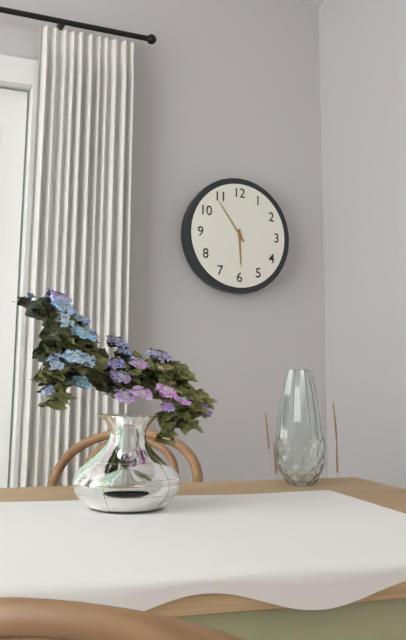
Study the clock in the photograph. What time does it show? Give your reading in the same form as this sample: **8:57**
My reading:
**5:54**
